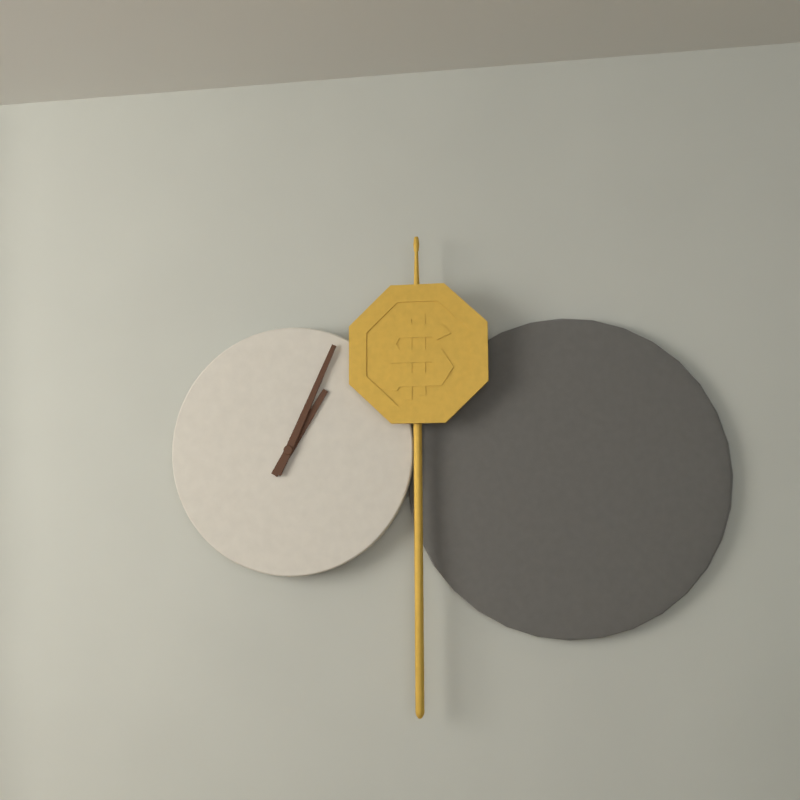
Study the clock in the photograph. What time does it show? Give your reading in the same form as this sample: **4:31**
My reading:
**1:04**
